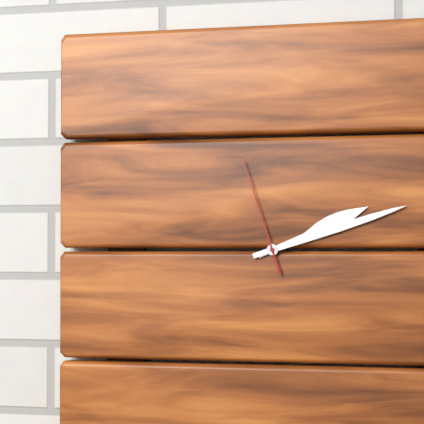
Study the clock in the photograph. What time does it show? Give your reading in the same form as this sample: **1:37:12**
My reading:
**2:12:57**
